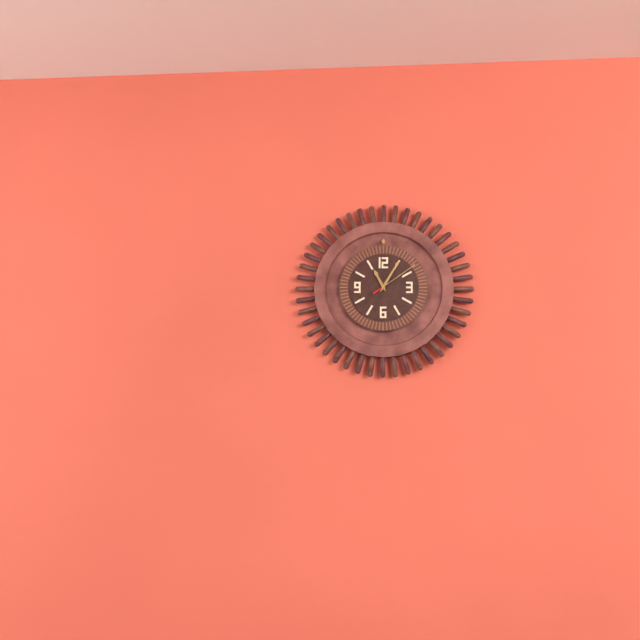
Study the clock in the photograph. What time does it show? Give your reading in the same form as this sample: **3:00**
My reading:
**11:05**
